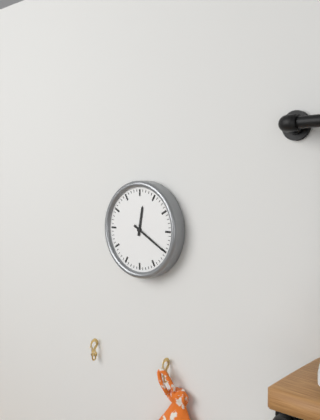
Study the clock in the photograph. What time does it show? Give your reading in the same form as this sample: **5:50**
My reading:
**12:20**
